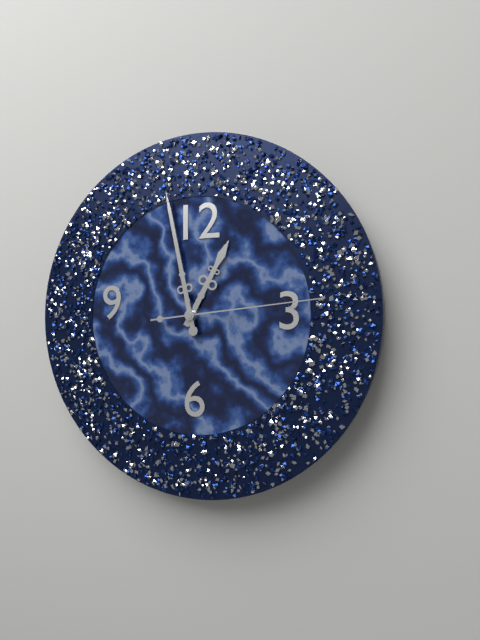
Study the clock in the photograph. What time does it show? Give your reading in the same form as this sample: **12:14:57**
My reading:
**12:58:14**
